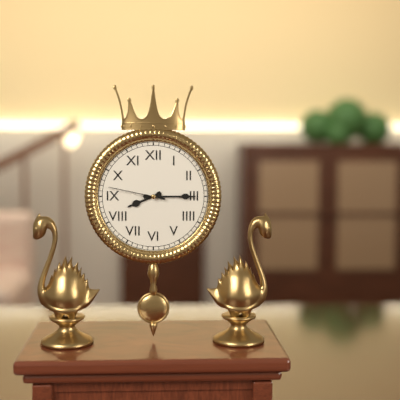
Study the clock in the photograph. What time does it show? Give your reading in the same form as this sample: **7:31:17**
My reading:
**8:15:47**
